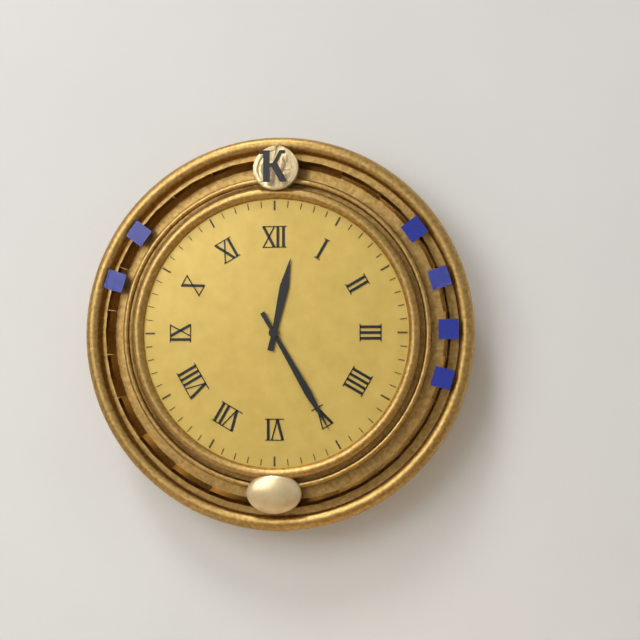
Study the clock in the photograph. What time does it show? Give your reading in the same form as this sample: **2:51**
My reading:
**12:25**
